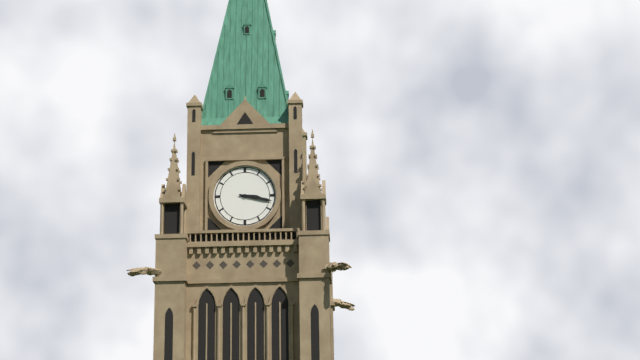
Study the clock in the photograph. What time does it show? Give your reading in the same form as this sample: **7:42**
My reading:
**3:17**
